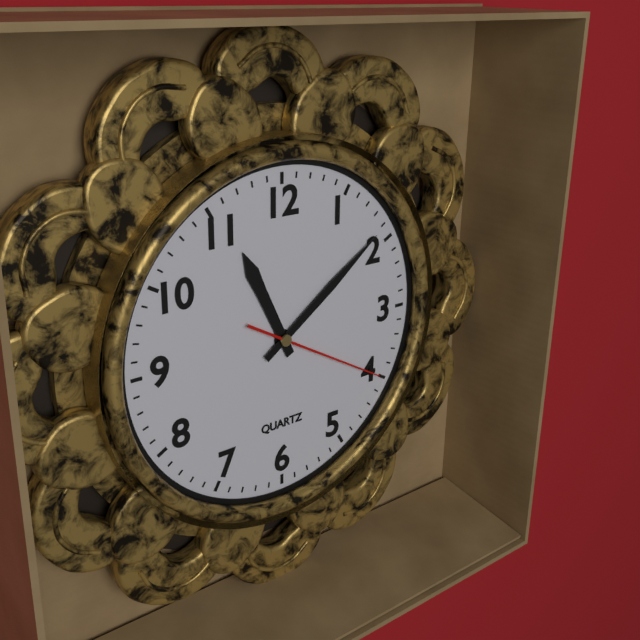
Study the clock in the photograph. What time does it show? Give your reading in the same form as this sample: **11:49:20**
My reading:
**11:09:20**
